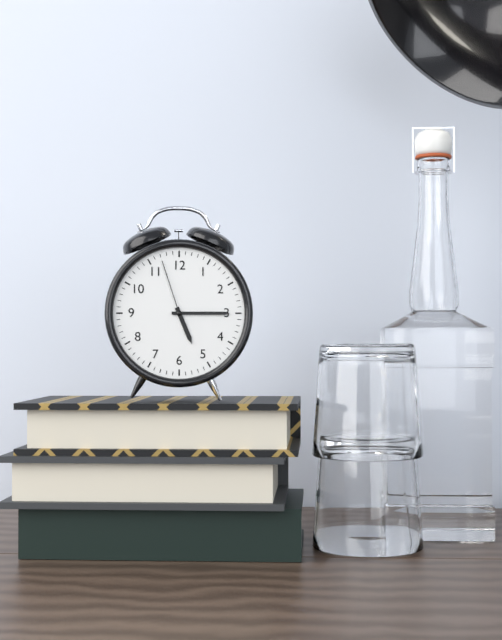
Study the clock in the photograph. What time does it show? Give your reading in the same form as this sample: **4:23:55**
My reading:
**5:15:57**
